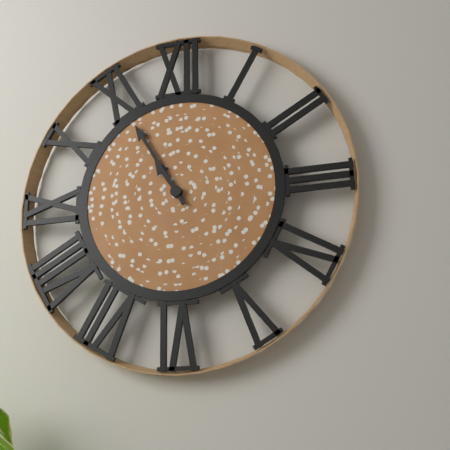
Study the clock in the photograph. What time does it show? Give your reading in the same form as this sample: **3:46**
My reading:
**10:55**
